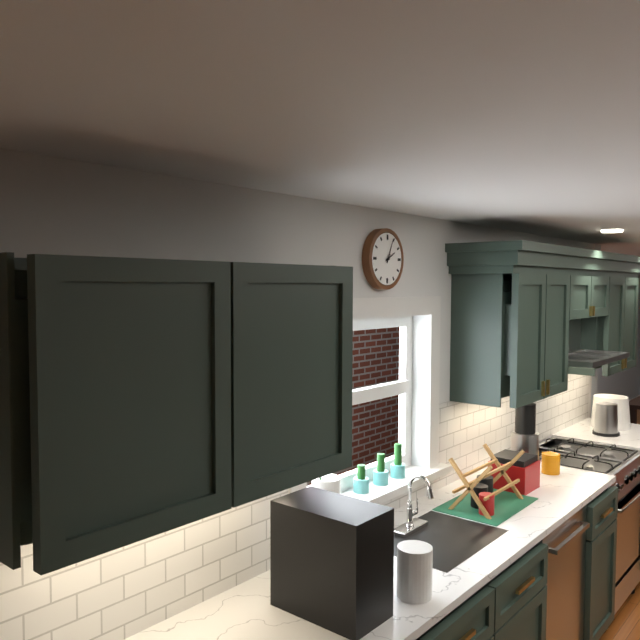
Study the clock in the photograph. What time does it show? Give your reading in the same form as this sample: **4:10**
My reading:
**2:04**
